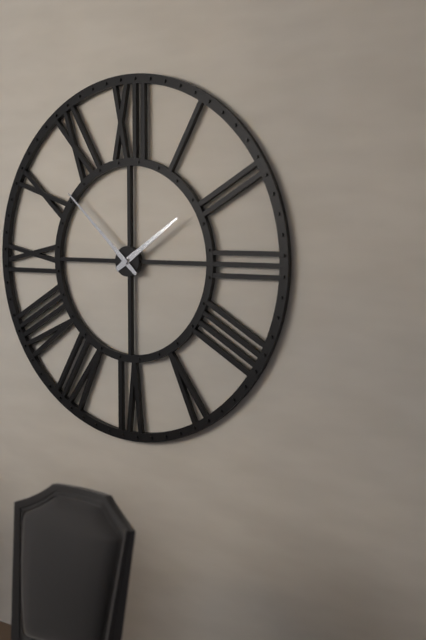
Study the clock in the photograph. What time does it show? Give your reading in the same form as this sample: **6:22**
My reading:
**1:52**
